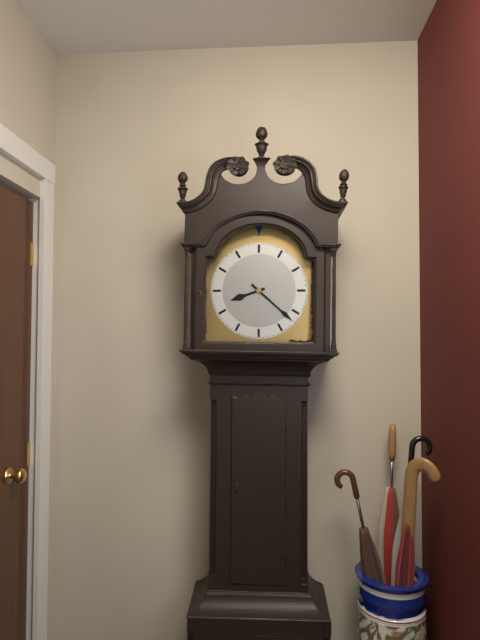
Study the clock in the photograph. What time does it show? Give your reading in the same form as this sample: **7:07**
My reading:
**8:22**
